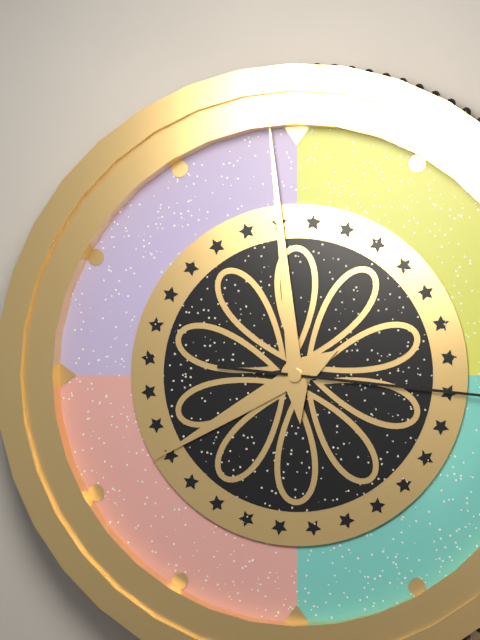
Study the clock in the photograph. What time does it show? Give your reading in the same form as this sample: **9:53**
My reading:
**7:59**
